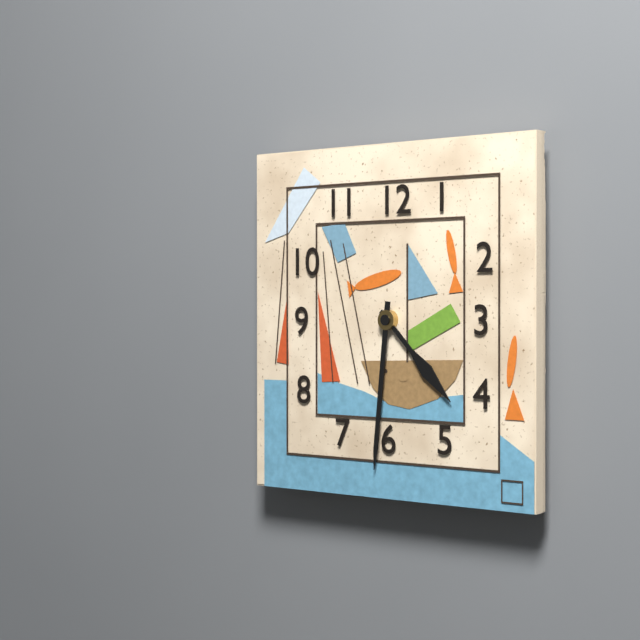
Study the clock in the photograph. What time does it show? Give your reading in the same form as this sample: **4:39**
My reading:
**4:31**
